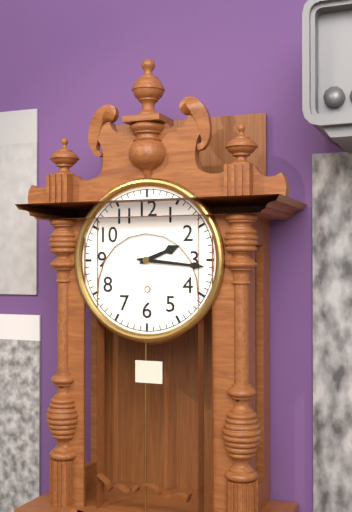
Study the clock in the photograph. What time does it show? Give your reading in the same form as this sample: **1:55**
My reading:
**2:16**
